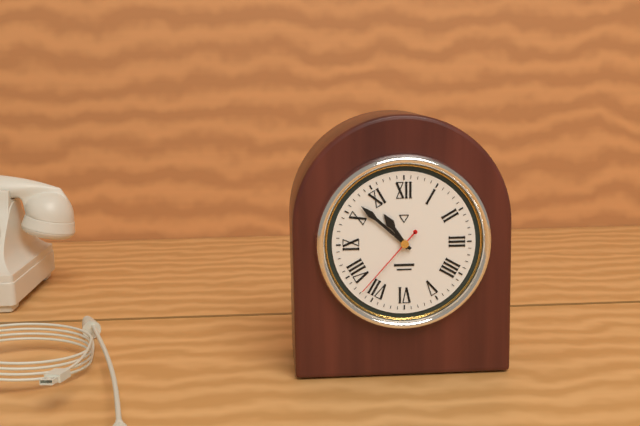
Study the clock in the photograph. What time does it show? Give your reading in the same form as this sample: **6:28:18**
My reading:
**10:52:37**
